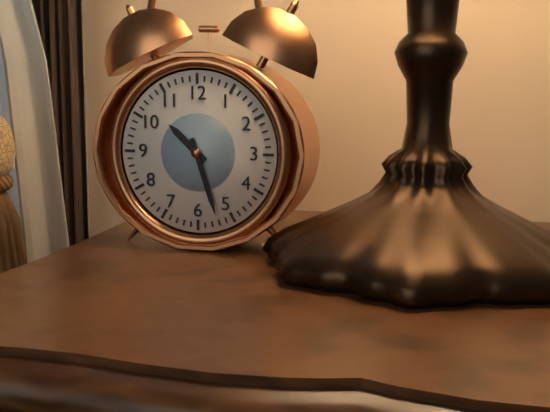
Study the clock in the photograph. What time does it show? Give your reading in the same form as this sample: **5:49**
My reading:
**10:27**
